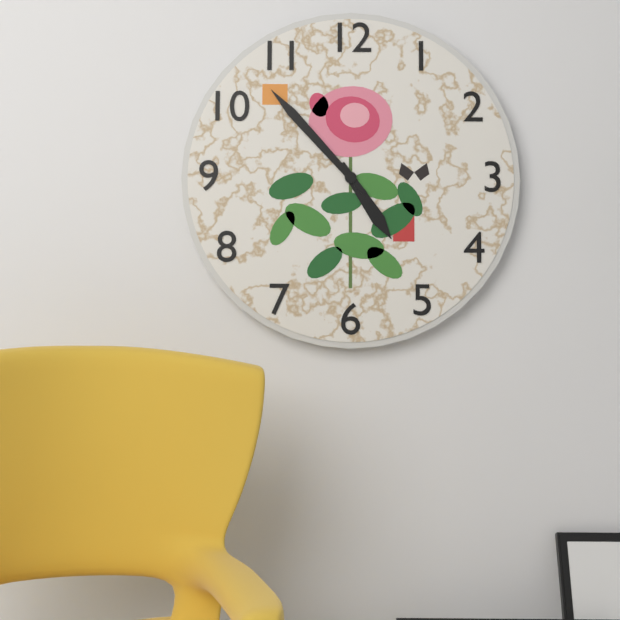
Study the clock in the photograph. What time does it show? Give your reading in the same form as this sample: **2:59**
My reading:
**4:53**
